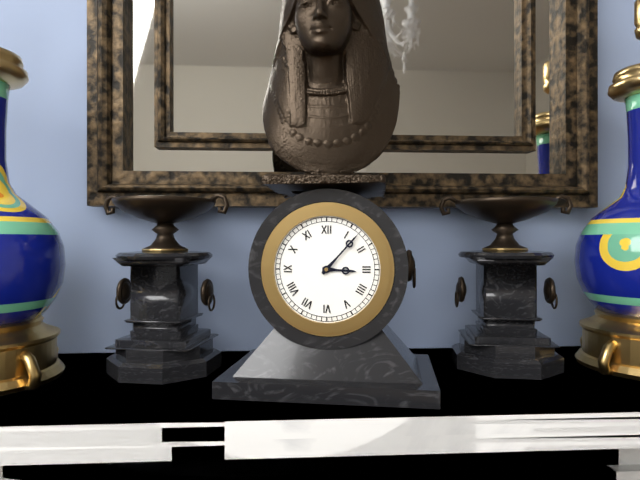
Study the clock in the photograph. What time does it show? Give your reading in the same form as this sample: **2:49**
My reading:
**3:07**
